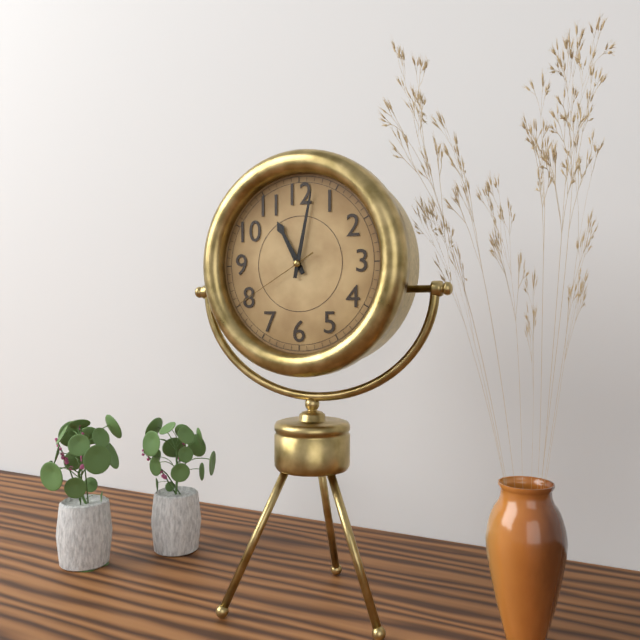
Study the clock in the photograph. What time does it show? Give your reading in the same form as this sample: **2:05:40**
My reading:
**11:02:40**
